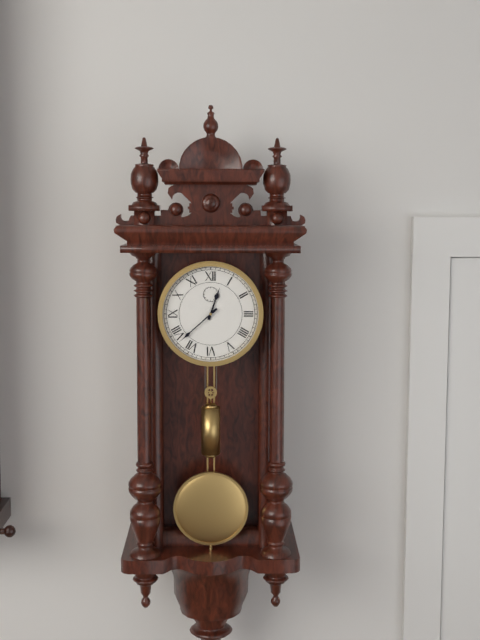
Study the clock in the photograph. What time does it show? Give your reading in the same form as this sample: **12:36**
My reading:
**12:38**
